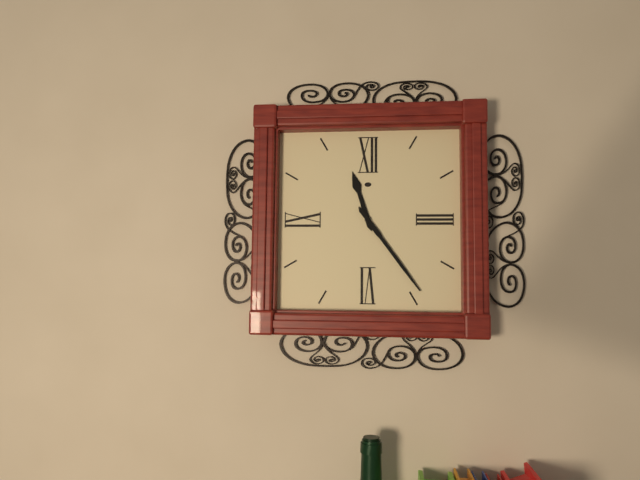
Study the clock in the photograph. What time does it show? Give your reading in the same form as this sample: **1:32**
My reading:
**11:24**
